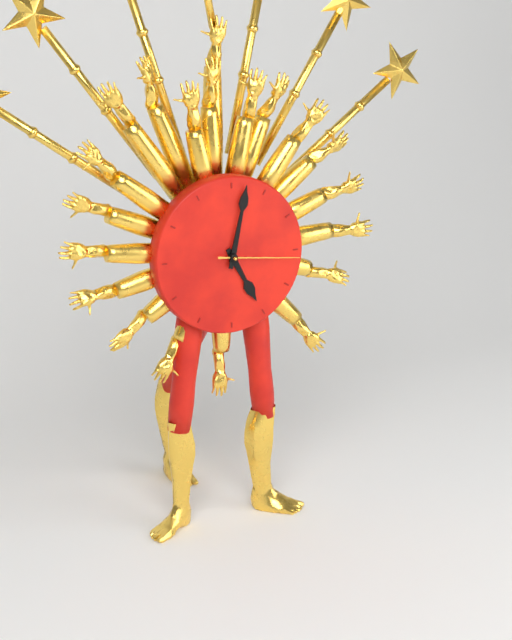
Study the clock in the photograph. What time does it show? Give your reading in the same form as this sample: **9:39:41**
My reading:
**5:02:16**
